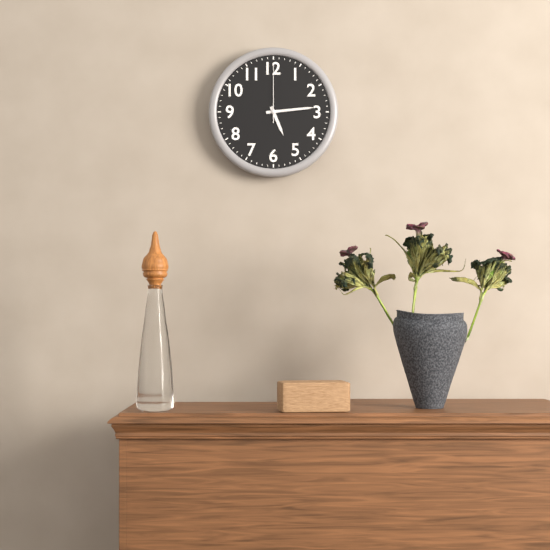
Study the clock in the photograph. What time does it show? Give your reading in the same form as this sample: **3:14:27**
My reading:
**5:14:00**
